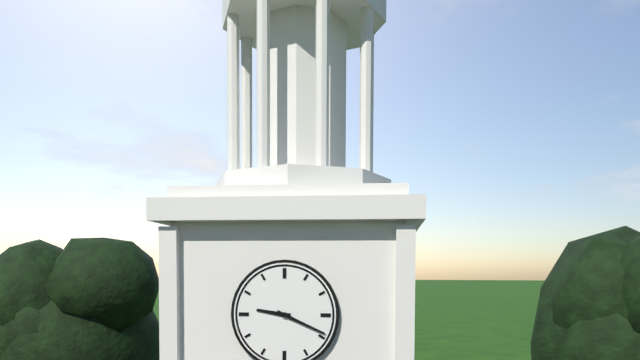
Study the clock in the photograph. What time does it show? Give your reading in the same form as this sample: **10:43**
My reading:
**9:19**
